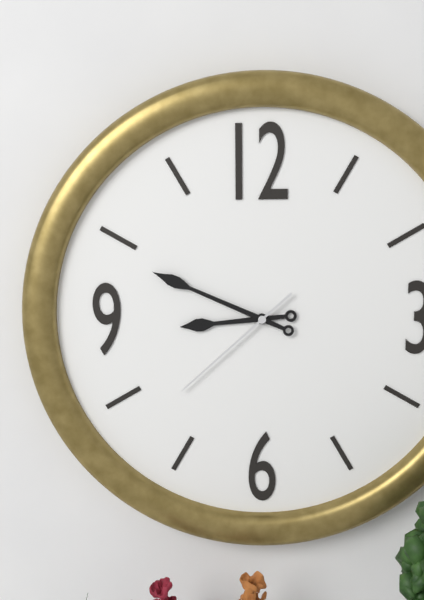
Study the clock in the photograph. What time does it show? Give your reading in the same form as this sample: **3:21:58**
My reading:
**8:49:38**
